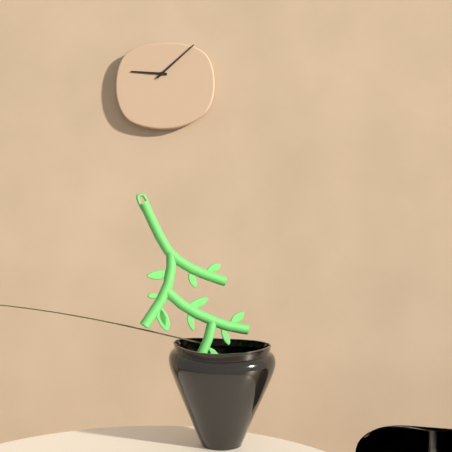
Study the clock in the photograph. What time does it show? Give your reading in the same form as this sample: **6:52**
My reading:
**9:08**
